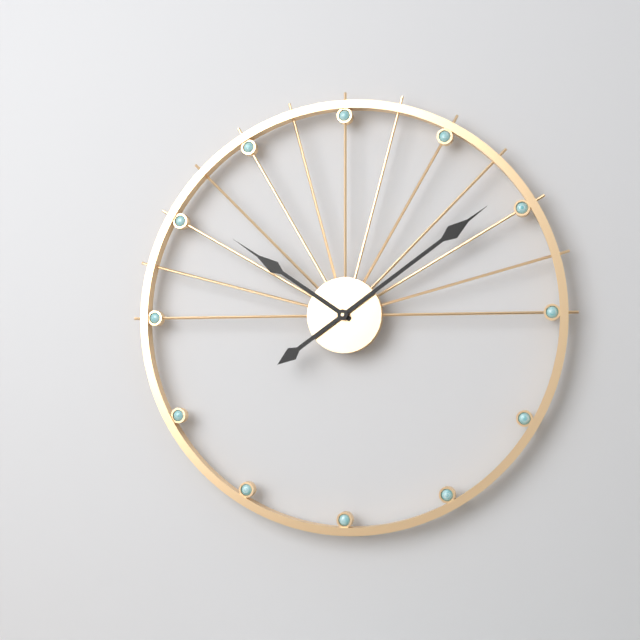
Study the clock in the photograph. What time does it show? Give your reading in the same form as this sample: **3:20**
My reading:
**10:09**
